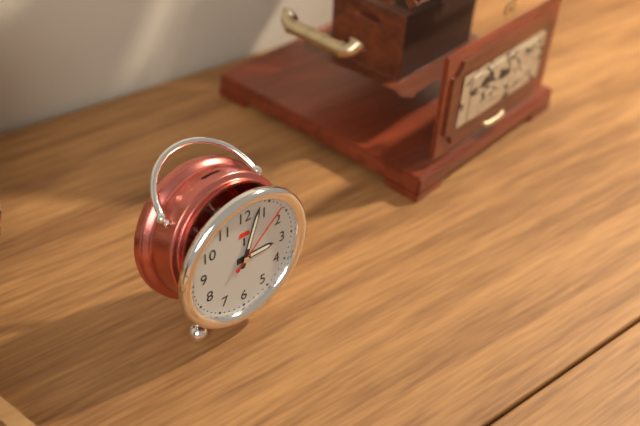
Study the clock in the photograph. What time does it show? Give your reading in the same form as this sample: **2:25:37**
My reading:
**3:03:08**
